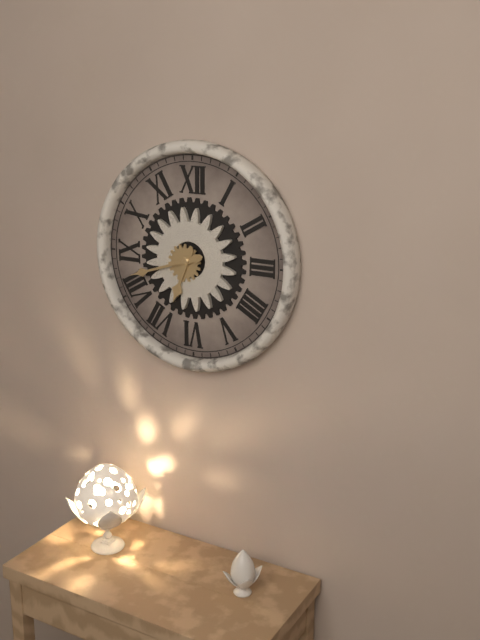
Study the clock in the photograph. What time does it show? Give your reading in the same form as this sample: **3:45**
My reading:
**6:42**
